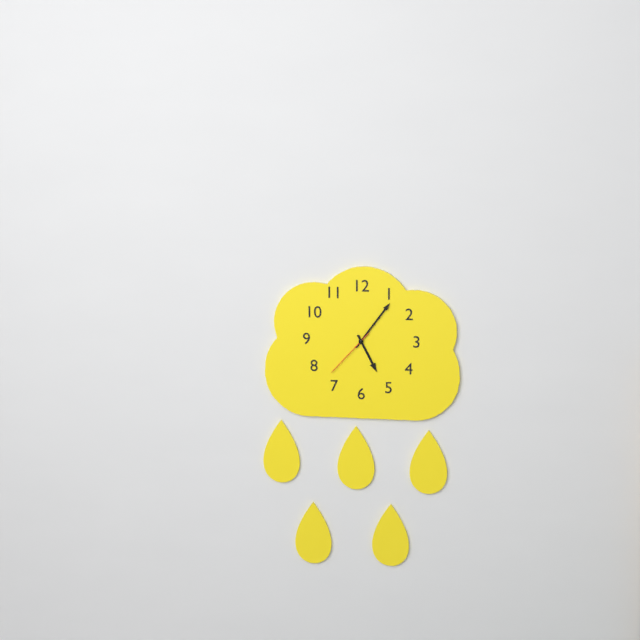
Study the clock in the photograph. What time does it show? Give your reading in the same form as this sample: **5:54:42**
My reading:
**5:06:37**
